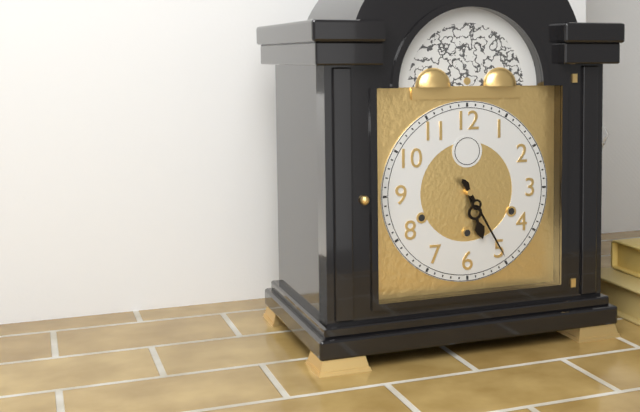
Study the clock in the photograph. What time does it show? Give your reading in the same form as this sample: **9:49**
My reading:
**5:25**
